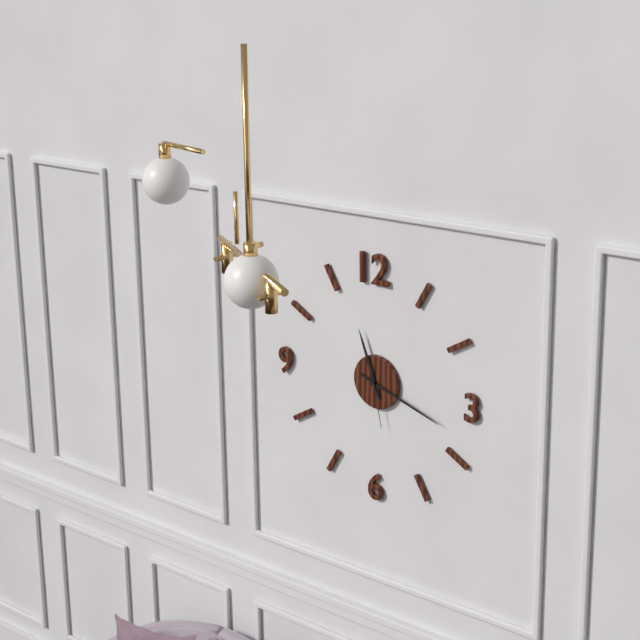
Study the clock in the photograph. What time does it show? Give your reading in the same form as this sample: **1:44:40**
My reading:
**11:18:28**
